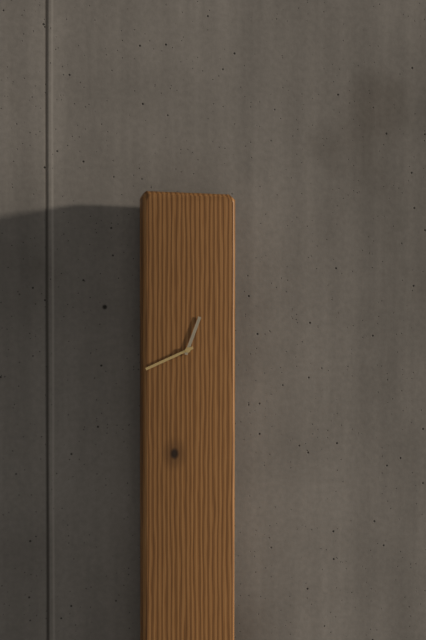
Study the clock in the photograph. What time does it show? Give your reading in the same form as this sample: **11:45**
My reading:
**12:41**
